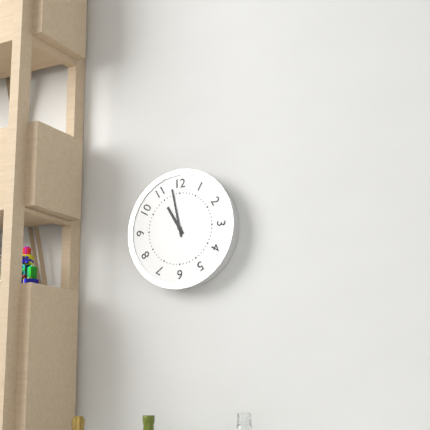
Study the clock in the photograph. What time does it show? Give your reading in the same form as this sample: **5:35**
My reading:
**10:58**
